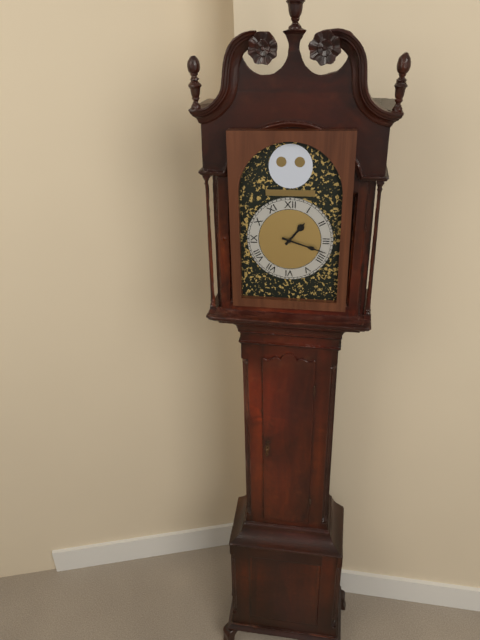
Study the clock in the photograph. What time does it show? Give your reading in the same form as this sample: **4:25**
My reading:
**1:18**
